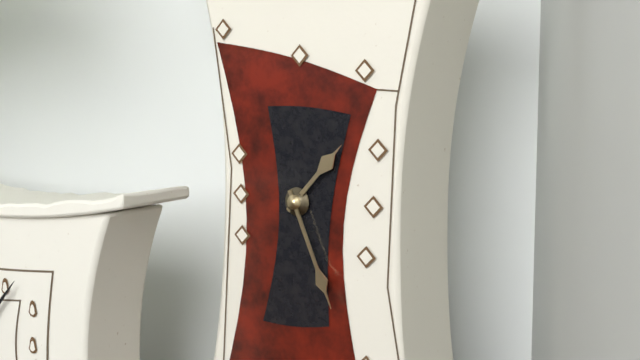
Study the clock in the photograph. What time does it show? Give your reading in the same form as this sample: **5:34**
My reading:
**1:26**
